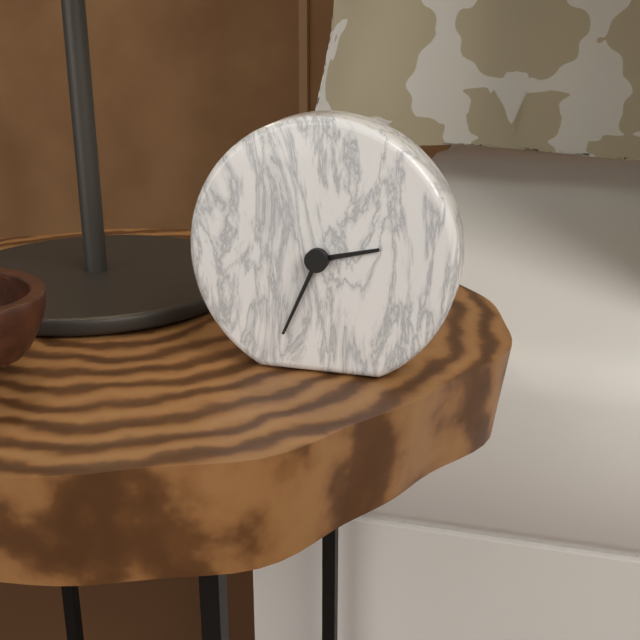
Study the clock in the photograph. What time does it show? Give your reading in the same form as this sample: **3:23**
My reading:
**2:34**
